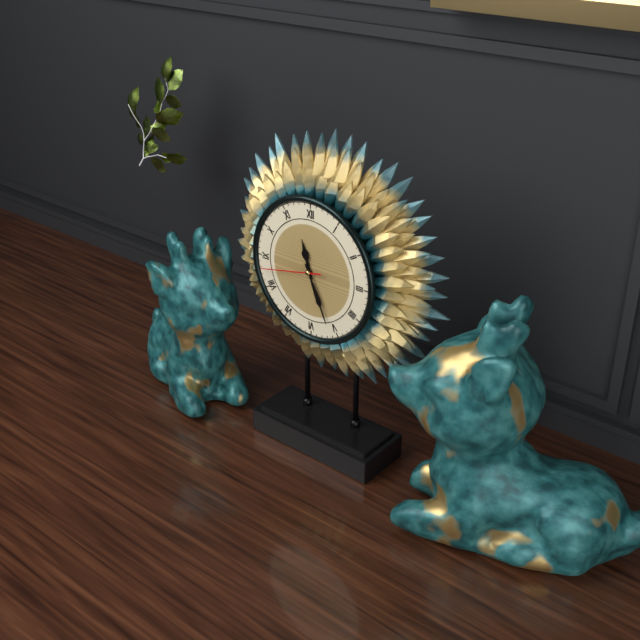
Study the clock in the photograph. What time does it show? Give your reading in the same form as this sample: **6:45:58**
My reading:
**11:26:43**
